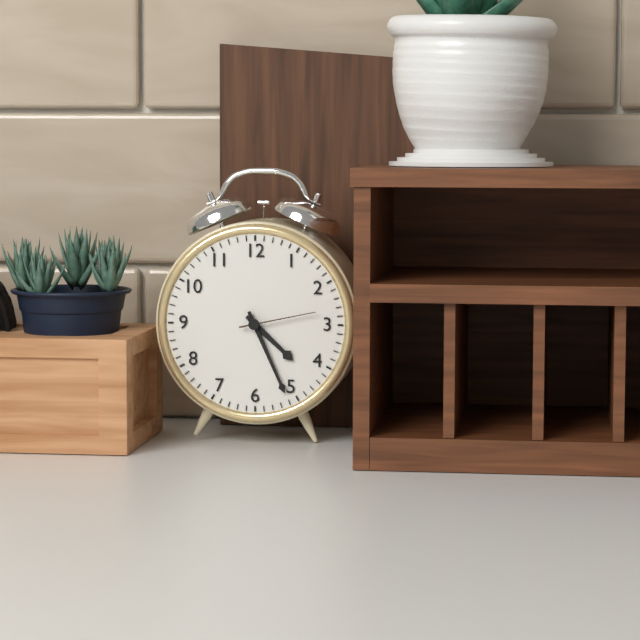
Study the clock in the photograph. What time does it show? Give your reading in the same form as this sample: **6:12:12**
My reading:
**4:26:13**
